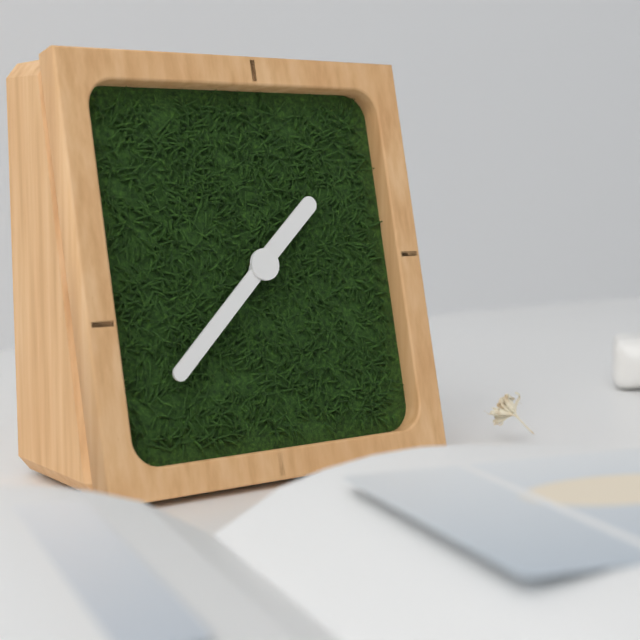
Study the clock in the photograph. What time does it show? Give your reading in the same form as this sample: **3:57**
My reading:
**1:38**
